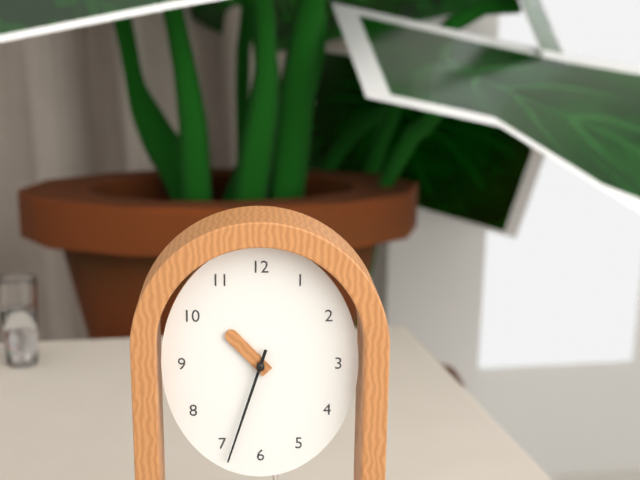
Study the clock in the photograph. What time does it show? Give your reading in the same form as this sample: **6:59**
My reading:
**10:33**
